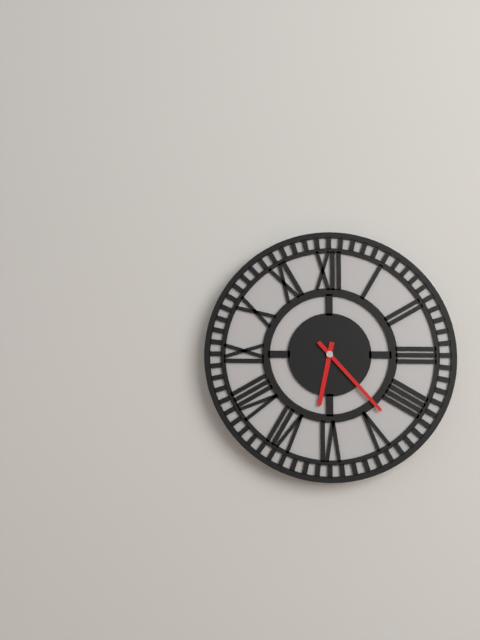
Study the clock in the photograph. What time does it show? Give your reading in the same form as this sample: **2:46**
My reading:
**6:23**
